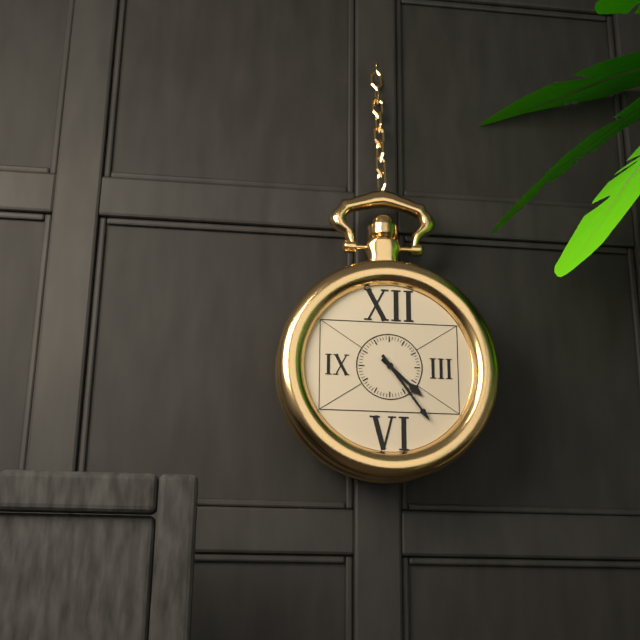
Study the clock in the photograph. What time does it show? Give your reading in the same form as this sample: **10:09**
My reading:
**4:24**
